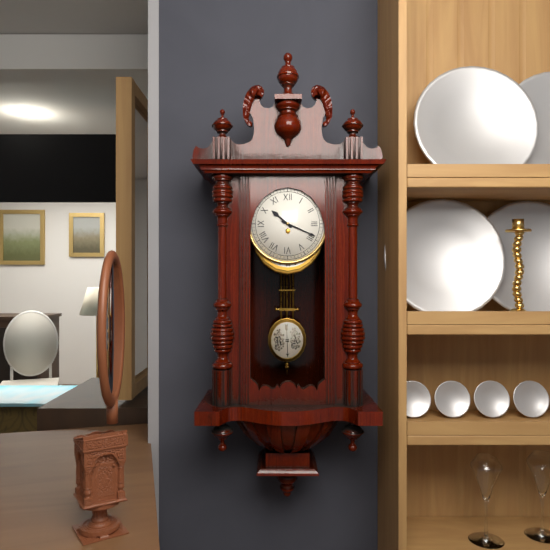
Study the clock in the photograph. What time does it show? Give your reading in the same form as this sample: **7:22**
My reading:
**10:19**
